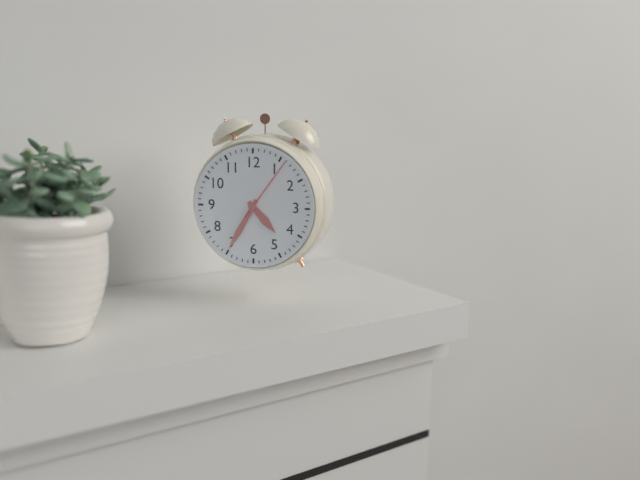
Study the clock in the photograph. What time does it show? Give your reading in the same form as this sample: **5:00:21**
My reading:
**4:35:06**
